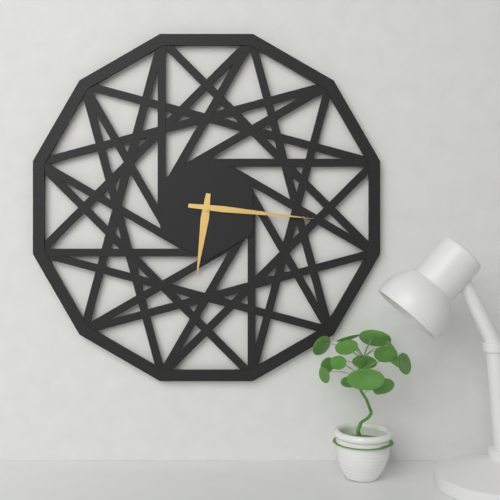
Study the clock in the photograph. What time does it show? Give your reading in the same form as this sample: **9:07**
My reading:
**6:16**
